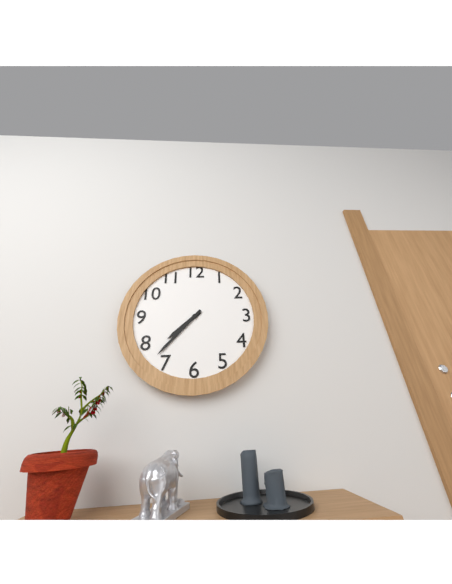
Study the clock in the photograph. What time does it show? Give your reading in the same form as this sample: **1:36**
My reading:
**7:37**
